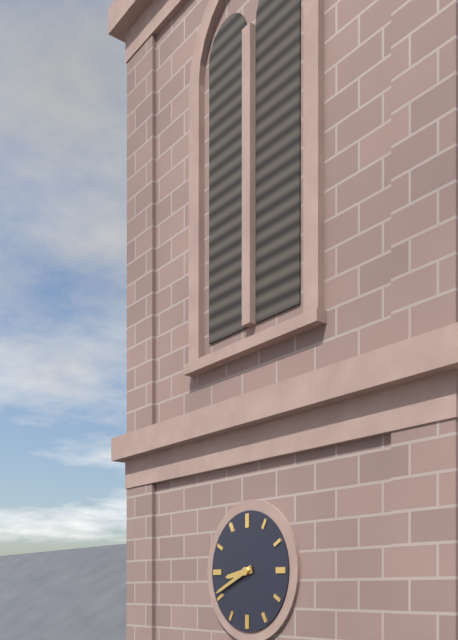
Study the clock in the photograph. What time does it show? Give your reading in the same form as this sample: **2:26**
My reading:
**8:41**
